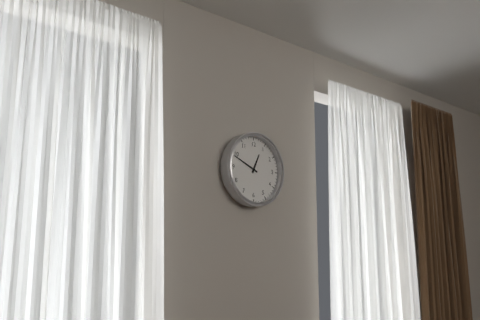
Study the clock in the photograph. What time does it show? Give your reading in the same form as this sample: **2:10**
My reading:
**12:49**
